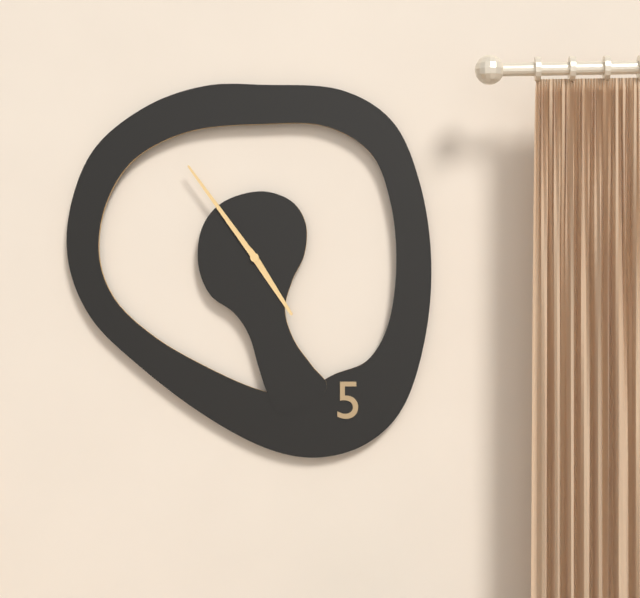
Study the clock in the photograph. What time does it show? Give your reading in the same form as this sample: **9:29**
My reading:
**4:54**
